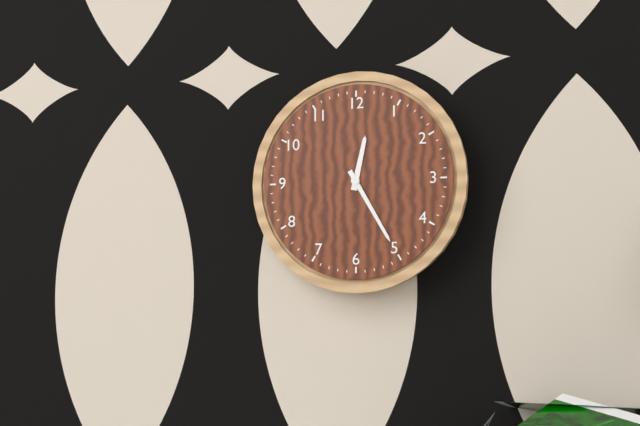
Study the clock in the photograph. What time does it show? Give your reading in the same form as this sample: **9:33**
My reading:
**12:25**
